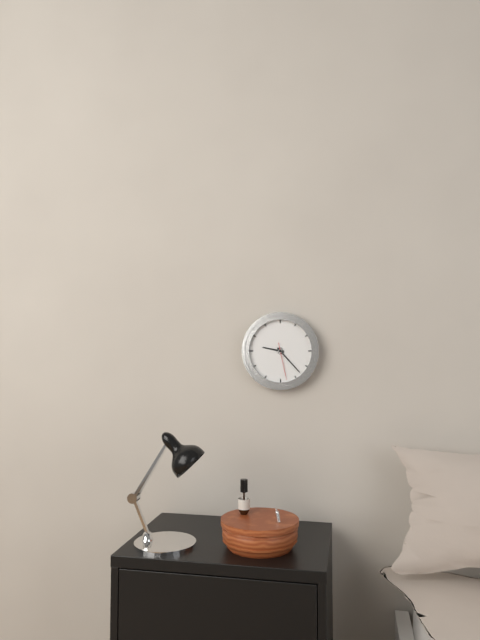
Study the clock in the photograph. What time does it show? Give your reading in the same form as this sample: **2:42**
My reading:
**9:23**
